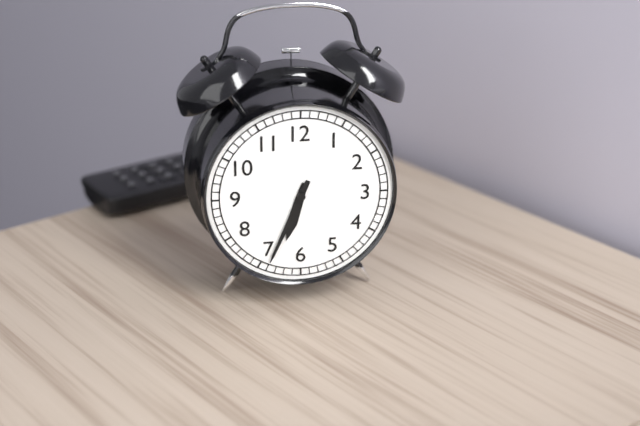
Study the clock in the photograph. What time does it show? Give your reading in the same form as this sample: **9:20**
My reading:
**6:34**
